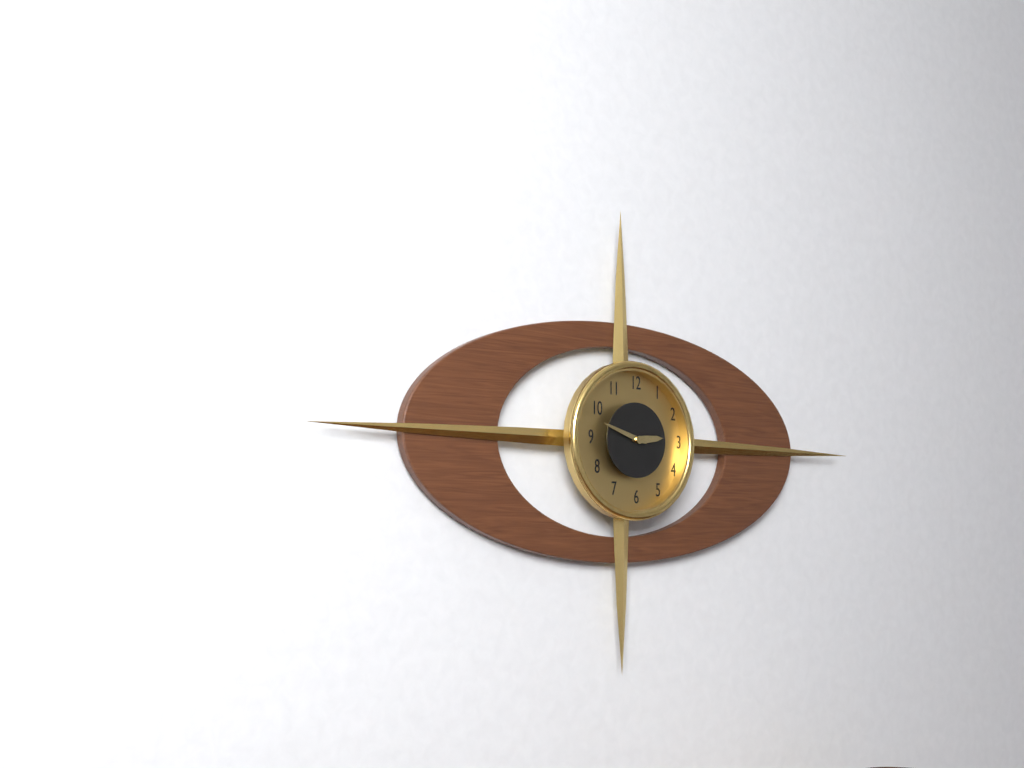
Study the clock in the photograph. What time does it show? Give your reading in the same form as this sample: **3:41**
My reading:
**2:48**
